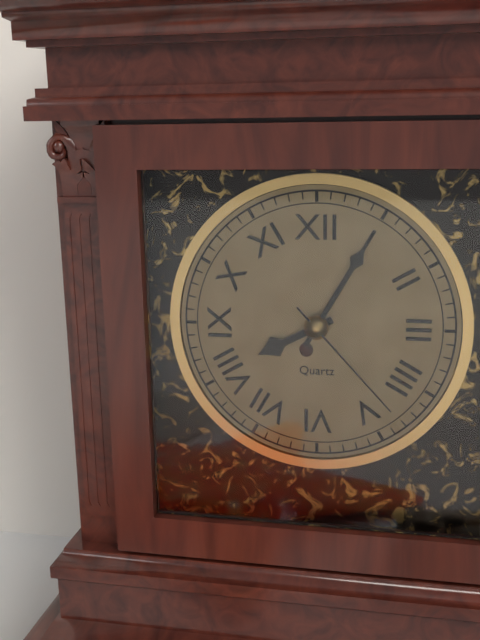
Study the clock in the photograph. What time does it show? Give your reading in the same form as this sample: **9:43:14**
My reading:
**8:05:23**
